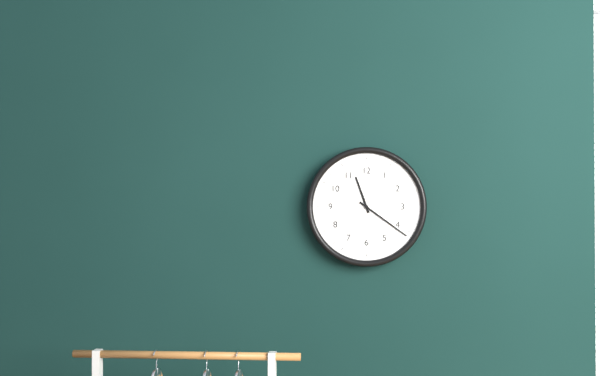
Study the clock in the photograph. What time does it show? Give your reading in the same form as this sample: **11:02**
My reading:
**11:21**
